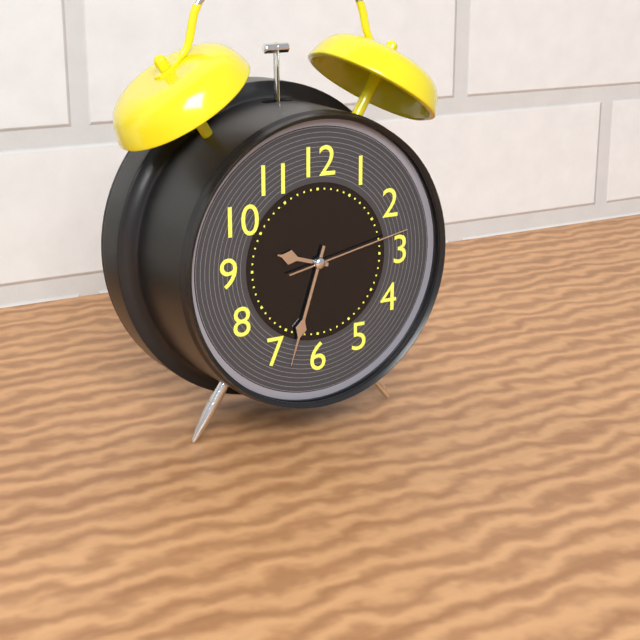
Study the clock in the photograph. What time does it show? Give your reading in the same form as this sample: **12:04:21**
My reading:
**9:33:13**
